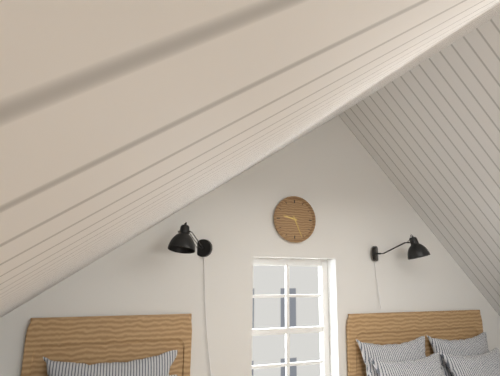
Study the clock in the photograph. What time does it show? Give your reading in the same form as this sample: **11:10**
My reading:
**9:26**
